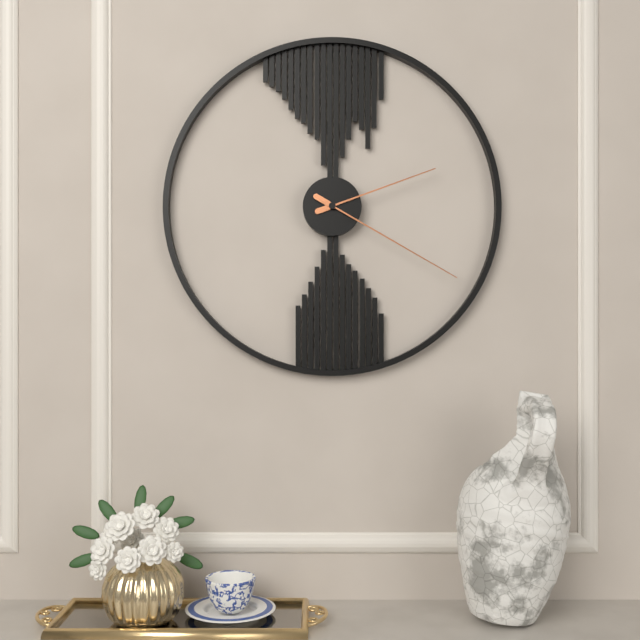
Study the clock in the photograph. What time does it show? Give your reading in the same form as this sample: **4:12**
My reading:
**2:20**
